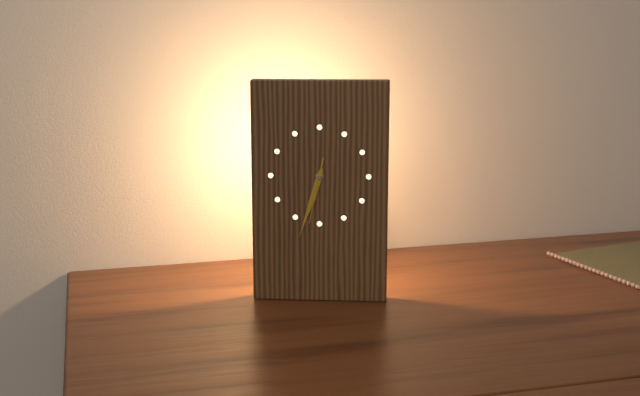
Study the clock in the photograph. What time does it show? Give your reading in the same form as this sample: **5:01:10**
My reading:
**6:33:32**
